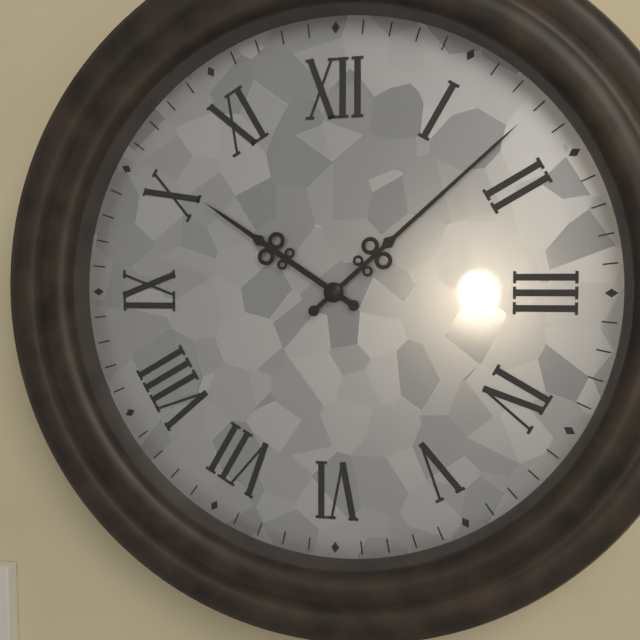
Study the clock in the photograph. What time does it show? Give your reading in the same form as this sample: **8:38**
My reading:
**10:08**
